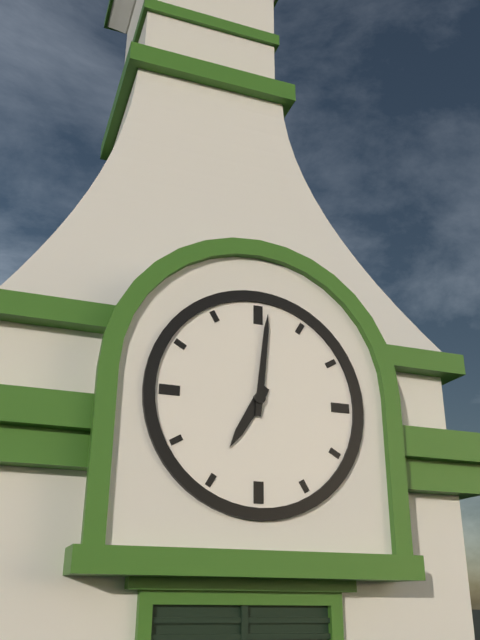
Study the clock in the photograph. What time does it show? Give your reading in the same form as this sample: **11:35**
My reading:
**7:01**
